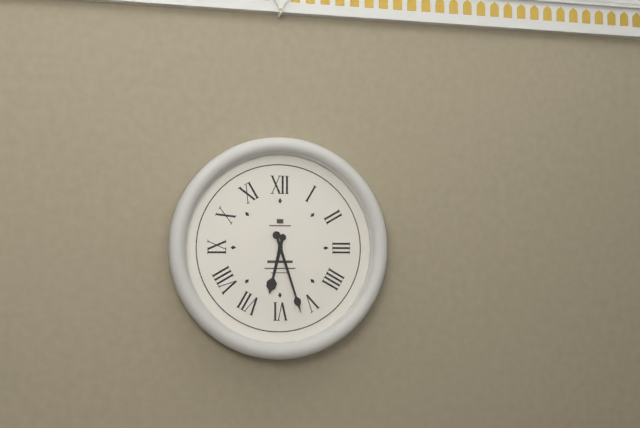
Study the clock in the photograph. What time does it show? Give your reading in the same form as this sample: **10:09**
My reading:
**6:27**
